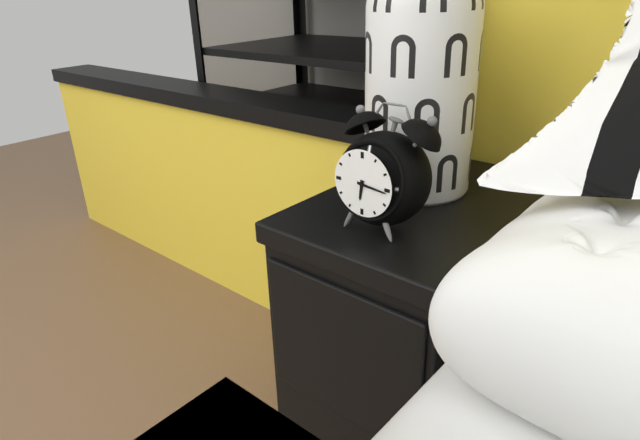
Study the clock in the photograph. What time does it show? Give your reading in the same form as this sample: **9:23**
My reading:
**6:16**
